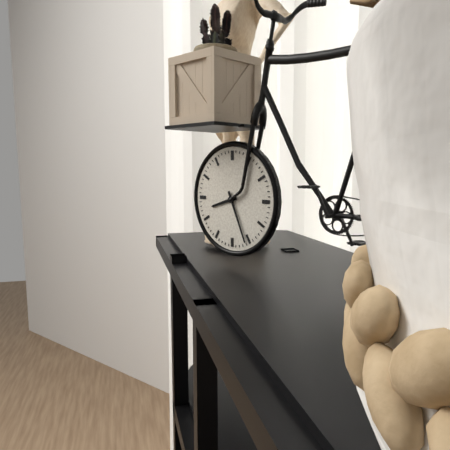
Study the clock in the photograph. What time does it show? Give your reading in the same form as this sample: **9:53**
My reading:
**8:26**
